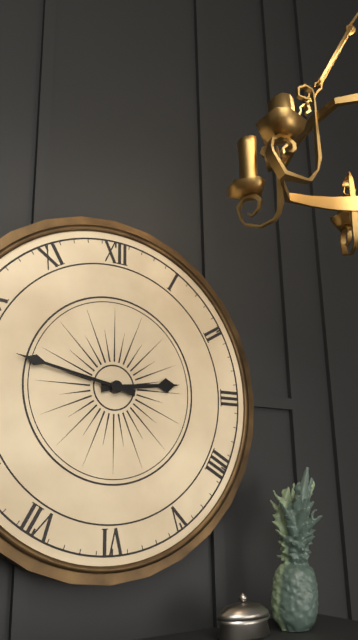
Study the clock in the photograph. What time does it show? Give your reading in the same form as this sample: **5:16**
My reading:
**2:47**
